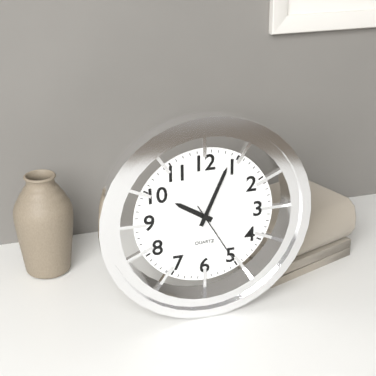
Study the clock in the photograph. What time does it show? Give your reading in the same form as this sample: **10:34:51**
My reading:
**10:04:25**
